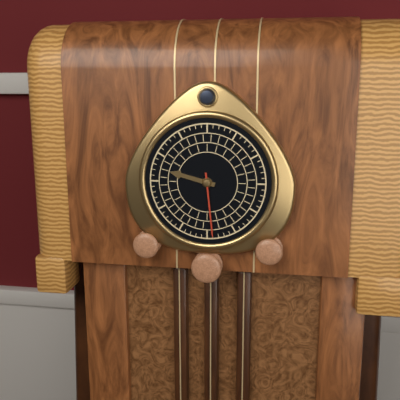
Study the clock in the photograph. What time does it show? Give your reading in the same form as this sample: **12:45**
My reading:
**9:29**
